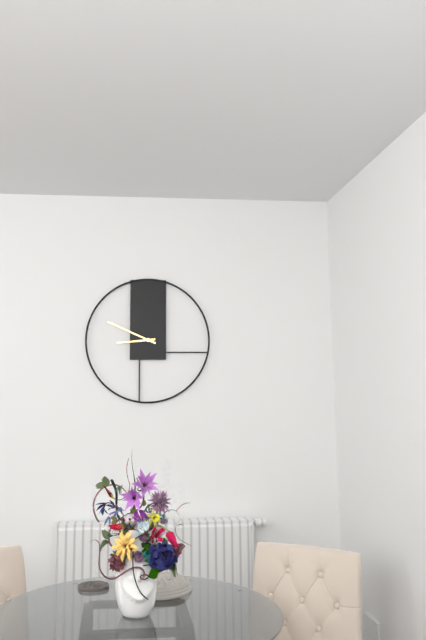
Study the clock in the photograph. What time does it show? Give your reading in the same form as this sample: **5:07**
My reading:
**8:49**
